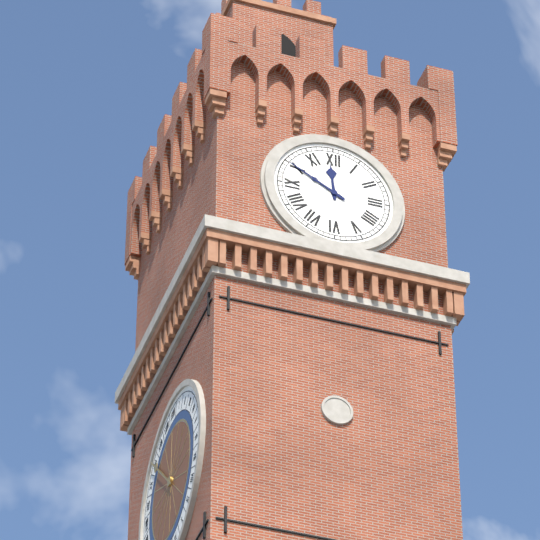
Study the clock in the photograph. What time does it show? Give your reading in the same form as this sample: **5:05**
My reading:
**11:50**
